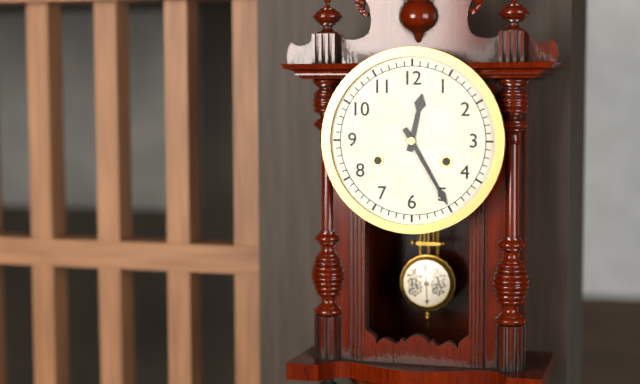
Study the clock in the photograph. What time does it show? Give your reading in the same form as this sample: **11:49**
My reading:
**12:25**
